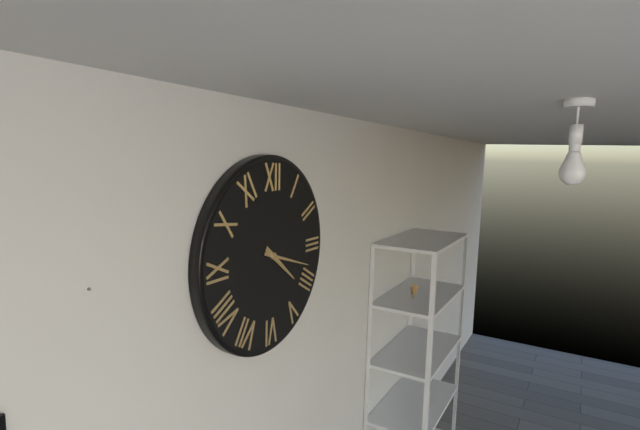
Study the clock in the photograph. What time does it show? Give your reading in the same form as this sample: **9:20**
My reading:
**4:18**
